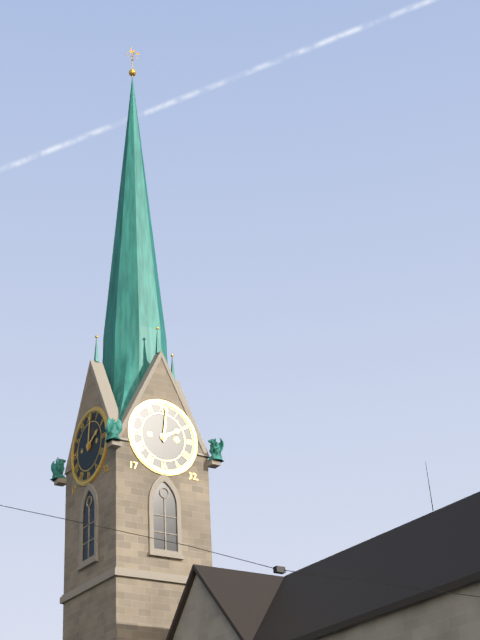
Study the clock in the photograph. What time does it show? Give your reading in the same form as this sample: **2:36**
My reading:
**2:01**
